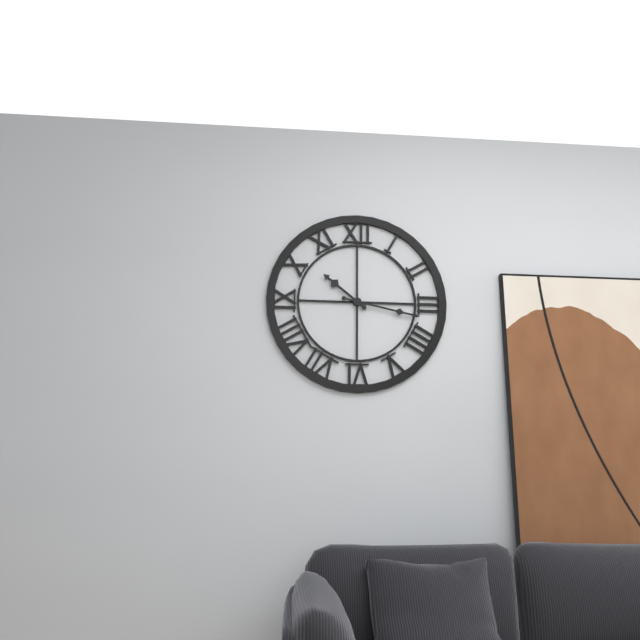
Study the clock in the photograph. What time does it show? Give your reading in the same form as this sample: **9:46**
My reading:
**10:17**
